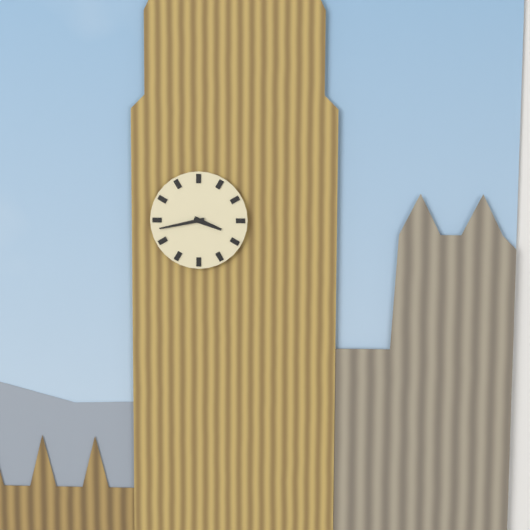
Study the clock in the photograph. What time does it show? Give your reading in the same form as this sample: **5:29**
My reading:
**3:43**
